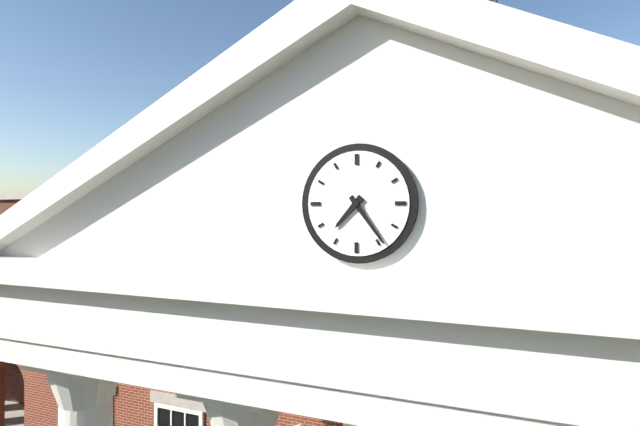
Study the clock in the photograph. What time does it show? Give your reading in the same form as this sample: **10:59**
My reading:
**7:24**
